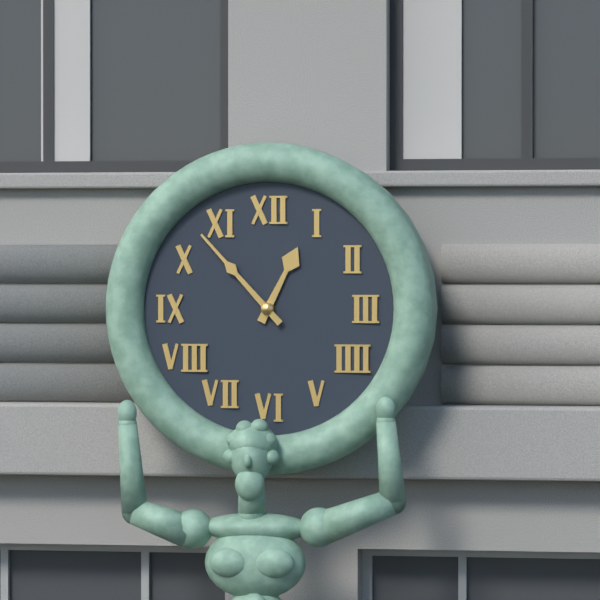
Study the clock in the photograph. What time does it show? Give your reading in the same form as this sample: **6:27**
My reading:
**12:53**
